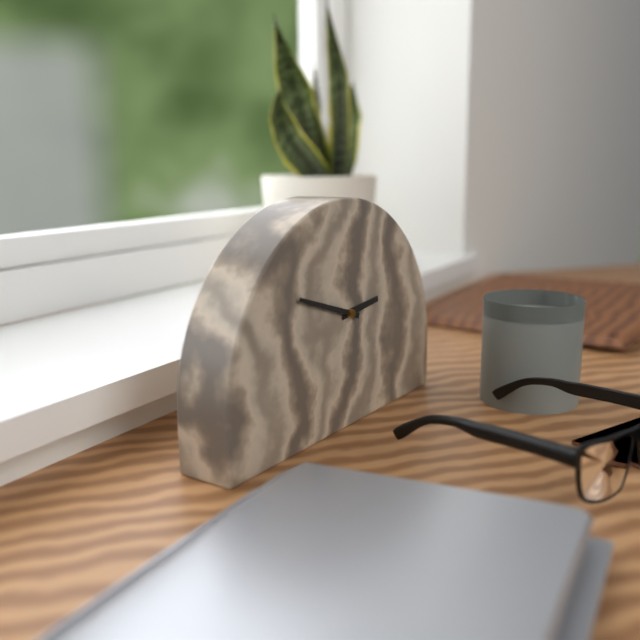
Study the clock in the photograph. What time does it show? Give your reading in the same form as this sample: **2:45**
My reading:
**2:48**
